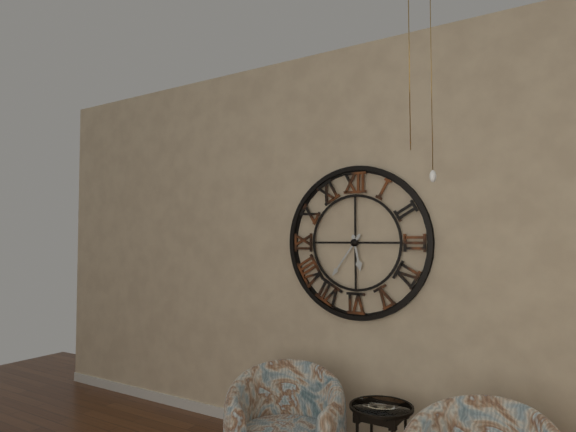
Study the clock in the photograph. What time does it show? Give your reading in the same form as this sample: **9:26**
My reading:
**5:36**
